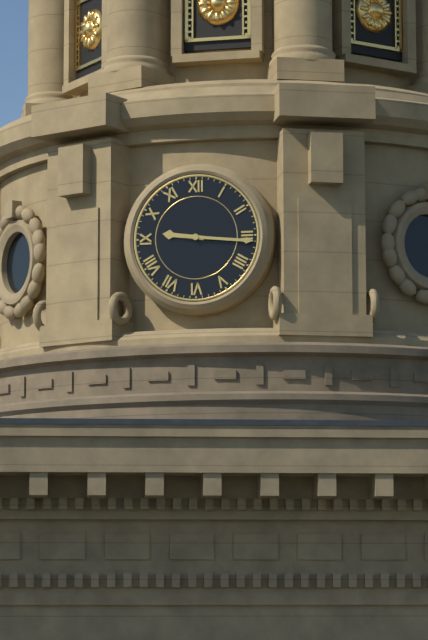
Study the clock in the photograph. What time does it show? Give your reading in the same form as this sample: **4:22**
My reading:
**9:16**
